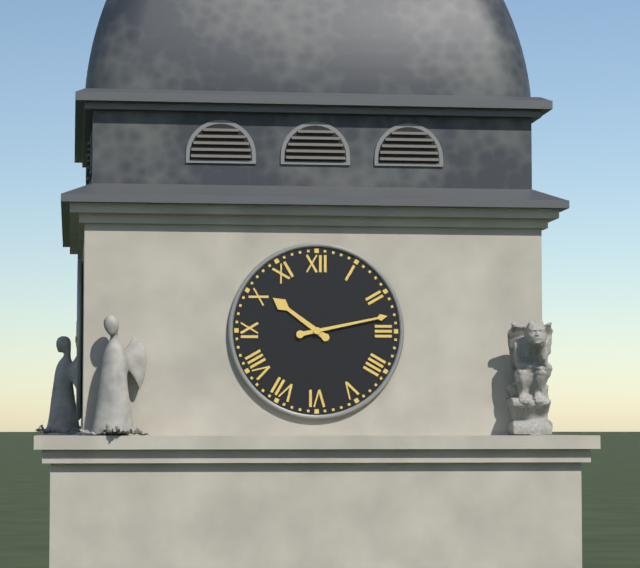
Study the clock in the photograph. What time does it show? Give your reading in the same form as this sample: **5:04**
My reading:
**10:13**
